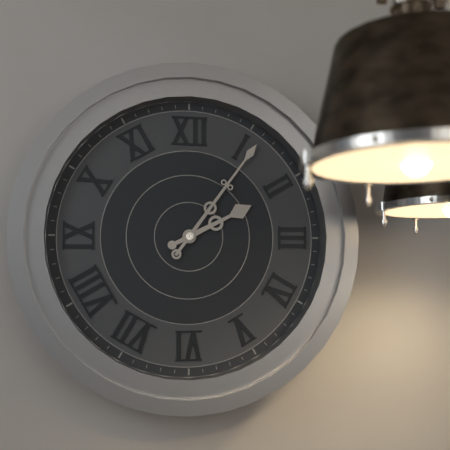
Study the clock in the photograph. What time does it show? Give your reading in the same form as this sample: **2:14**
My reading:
**2:06**
